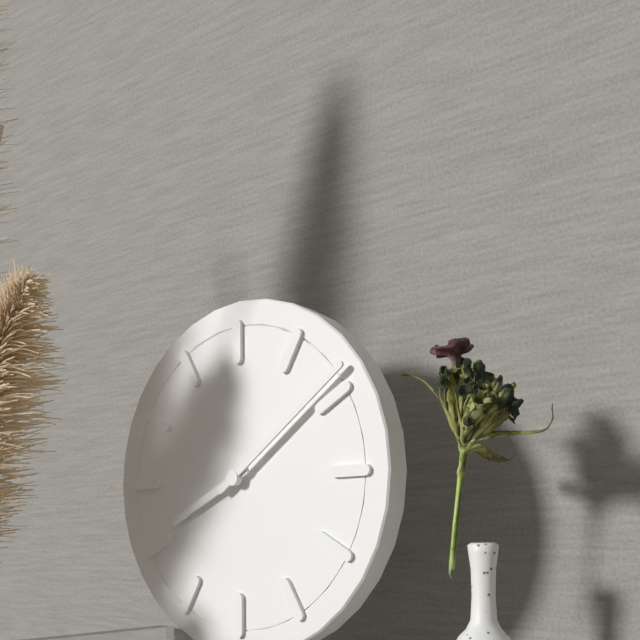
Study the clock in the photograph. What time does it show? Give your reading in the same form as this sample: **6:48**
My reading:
**8:09**
